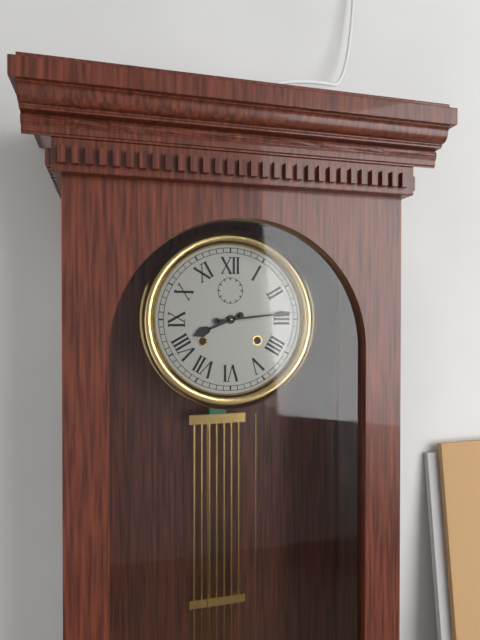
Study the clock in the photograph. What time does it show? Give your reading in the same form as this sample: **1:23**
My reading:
**8:14**
